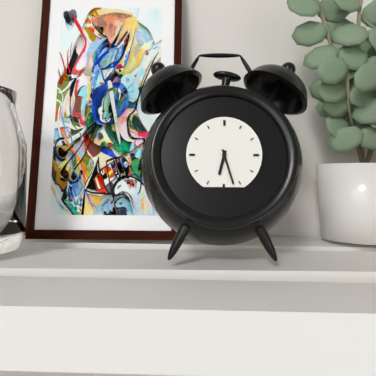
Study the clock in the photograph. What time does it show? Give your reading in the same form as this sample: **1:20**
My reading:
**6:27**
